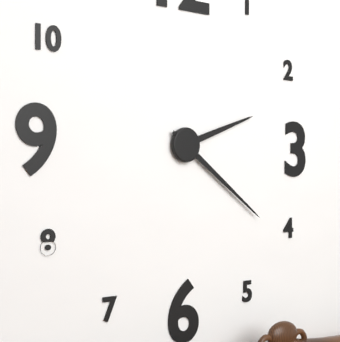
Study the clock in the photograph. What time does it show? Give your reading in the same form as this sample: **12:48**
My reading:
**2:21**
